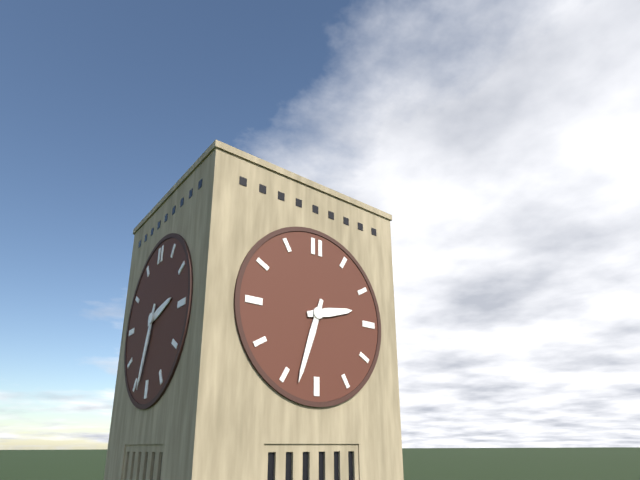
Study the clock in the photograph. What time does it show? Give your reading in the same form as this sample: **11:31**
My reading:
**2:33**
